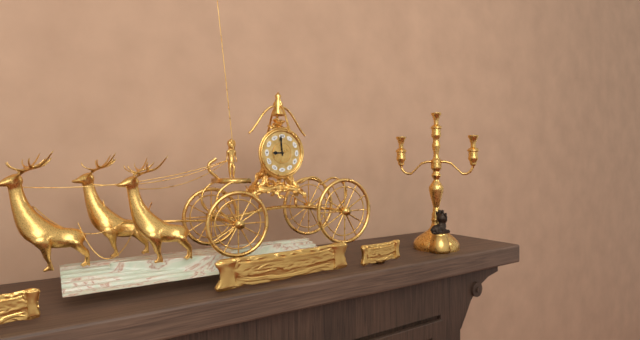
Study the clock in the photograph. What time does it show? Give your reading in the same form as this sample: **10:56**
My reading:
**8:59**
